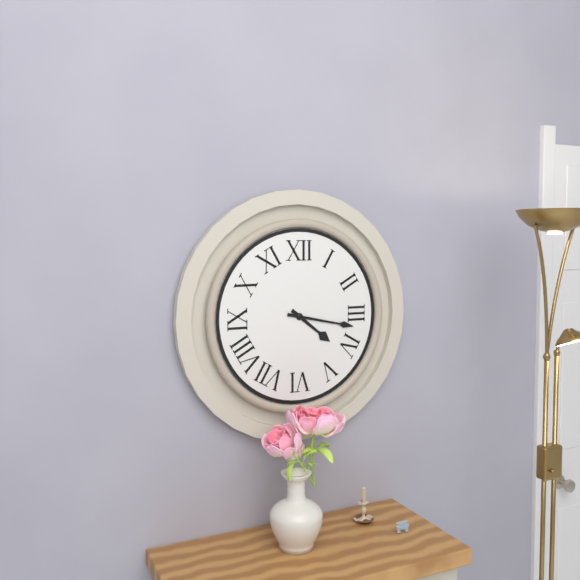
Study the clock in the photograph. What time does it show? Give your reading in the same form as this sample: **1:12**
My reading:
**4:17**
